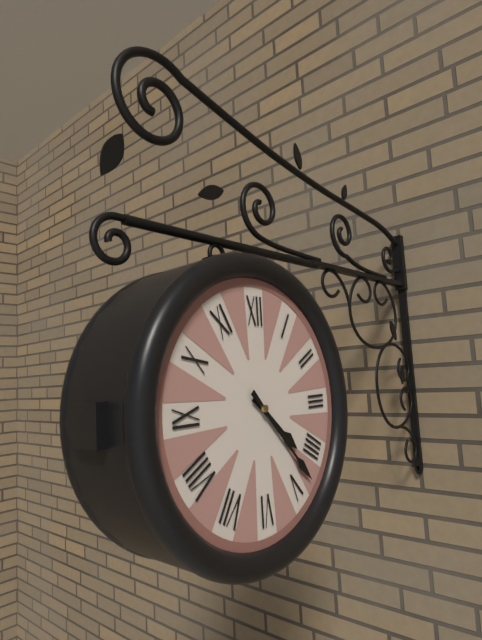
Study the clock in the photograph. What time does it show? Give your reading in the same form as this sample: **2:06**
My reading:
**4:23**
